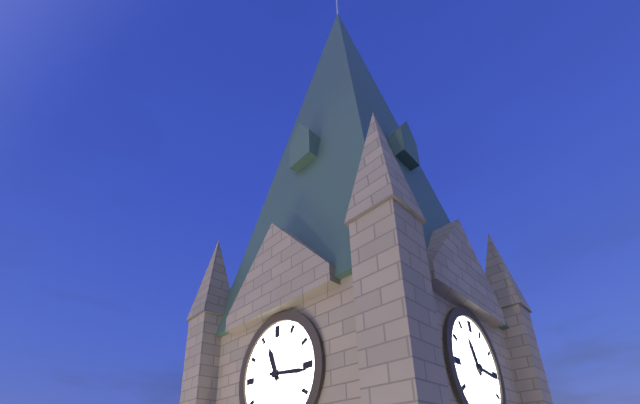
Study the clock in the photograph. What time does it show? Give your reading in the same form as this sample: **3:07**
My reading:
**11:16**
